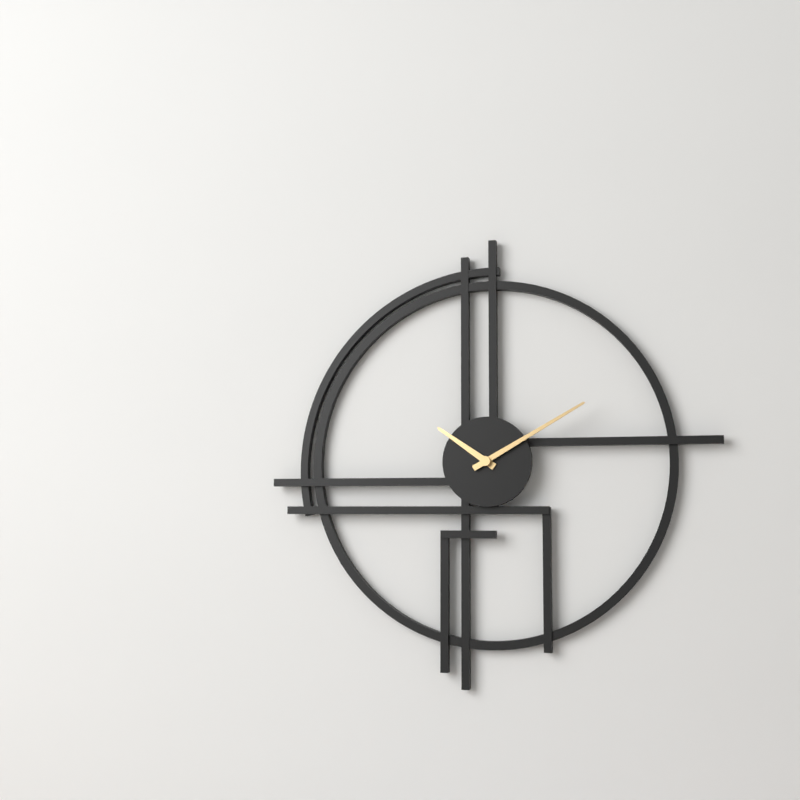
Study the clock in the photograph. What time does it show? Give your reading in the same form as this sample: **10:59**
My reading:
**10:10**
